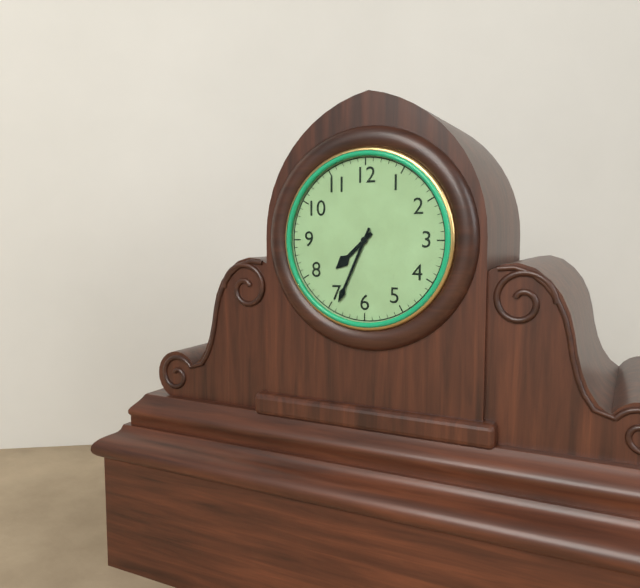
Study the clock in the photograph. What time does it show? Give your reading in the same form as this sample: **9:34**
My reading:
**7:34**
